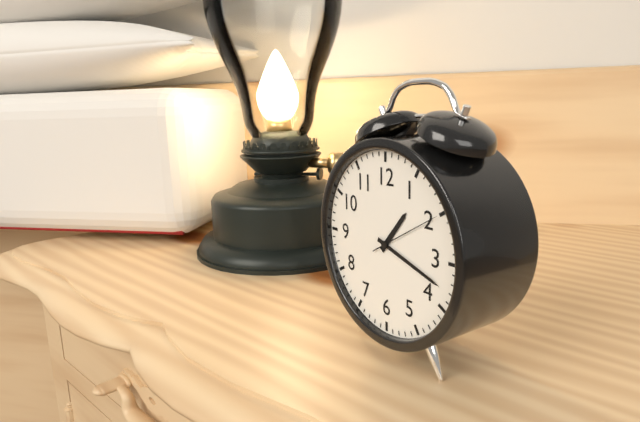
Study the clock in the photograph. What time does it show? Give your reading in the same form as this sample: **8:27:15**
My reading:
**1:18:10**
